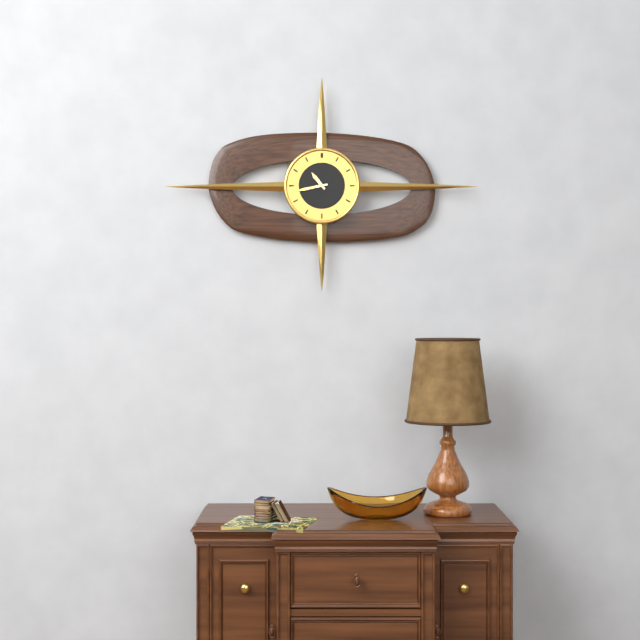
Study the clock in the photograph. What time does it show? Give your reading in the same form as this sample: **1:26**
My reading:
**10:43**
